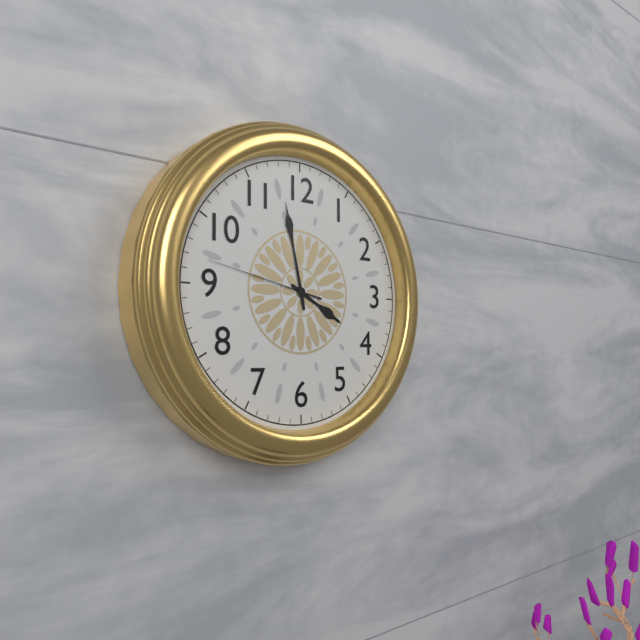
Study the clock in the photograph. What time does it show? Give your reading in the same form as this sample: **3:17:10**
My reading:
**3:58:47**
